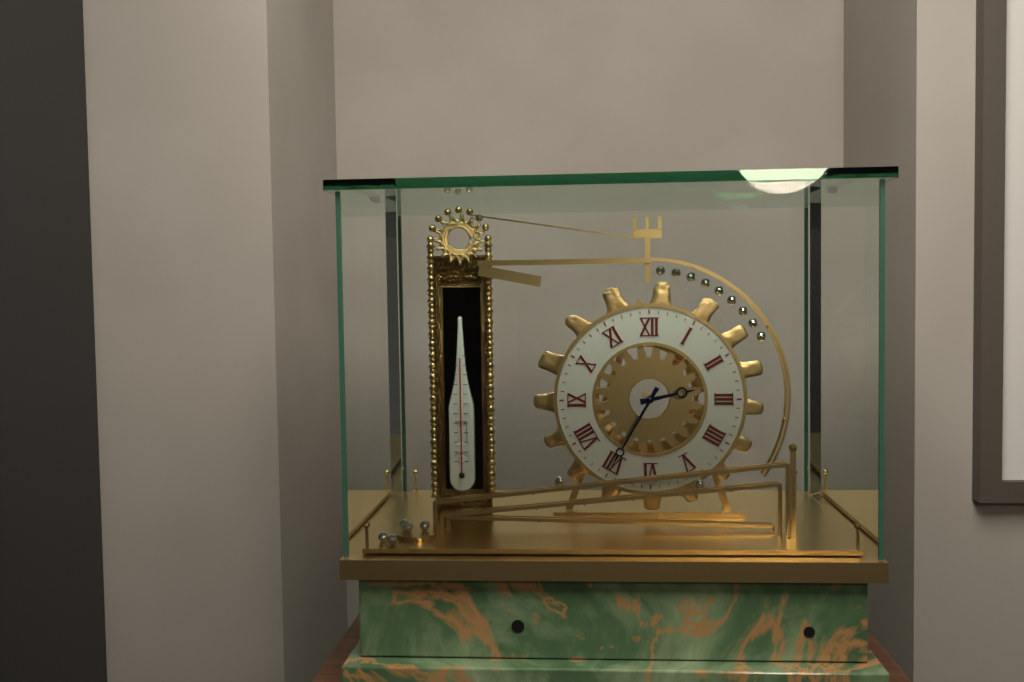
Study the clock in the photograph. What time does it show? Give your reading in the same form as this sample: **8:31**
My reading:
**2:35**
